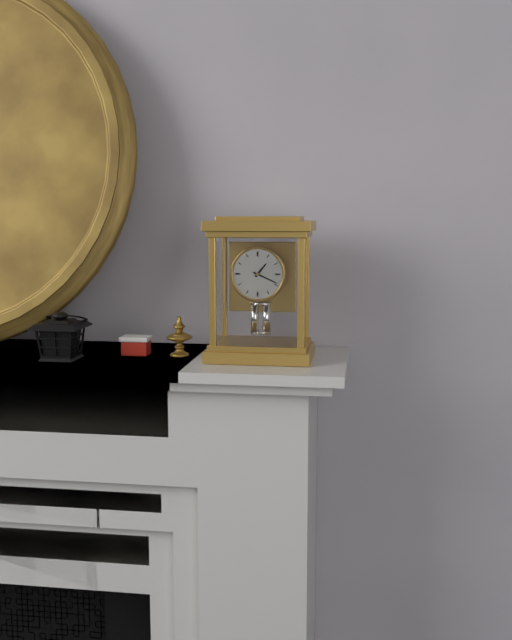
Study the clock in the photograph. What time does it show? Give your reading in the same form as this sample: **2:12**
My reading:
**1:19**
